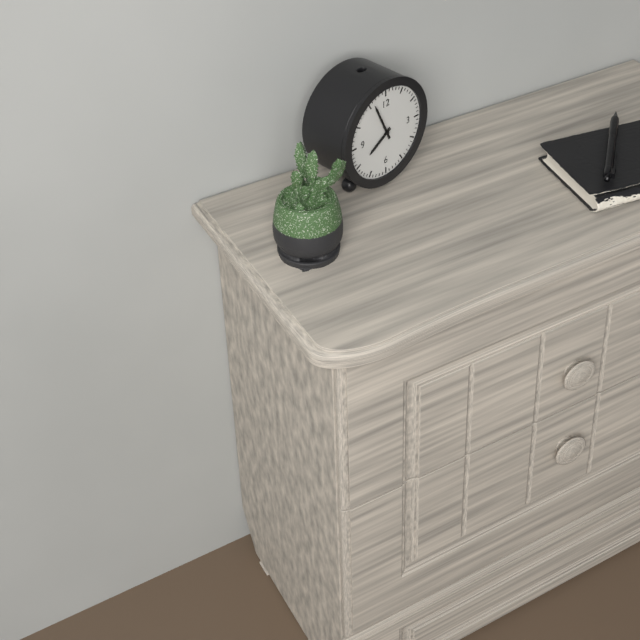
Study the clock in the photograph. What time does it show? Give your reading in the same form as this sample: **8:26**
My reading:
**7:56**
